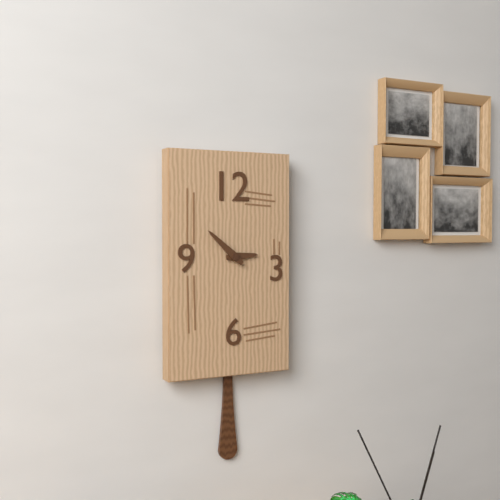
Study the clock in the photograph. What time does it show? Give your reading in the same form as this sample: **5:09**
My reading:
**2:52**
